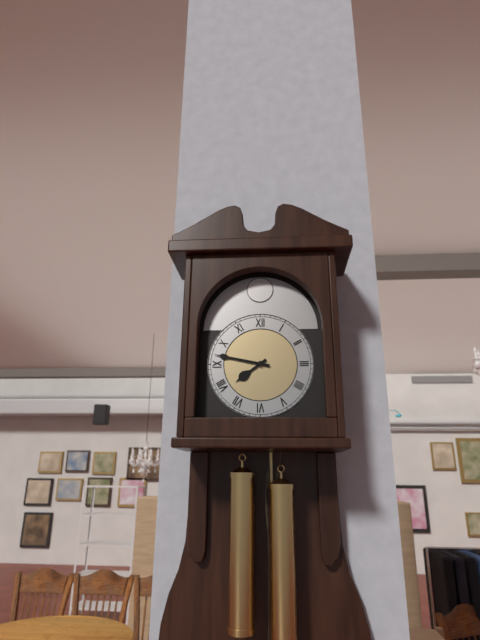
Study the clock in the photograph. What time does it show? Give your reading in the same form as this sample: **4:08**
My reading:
**7:47**
